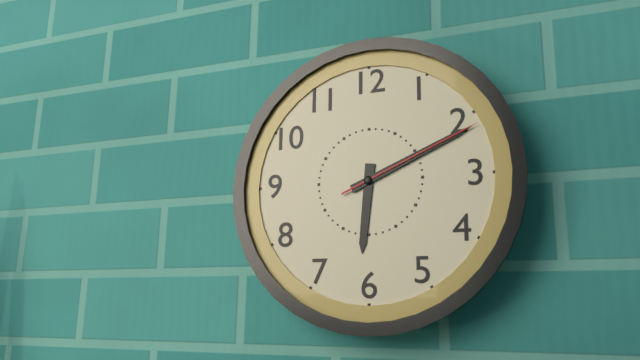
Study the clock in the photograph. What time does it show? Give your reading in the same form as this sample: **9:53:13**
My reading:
**6:11:11**
